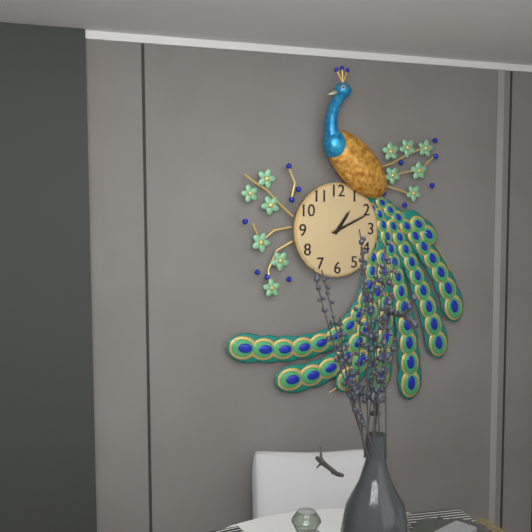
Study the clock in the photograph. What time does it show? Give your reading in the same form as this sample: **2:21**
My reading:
**1:11**
